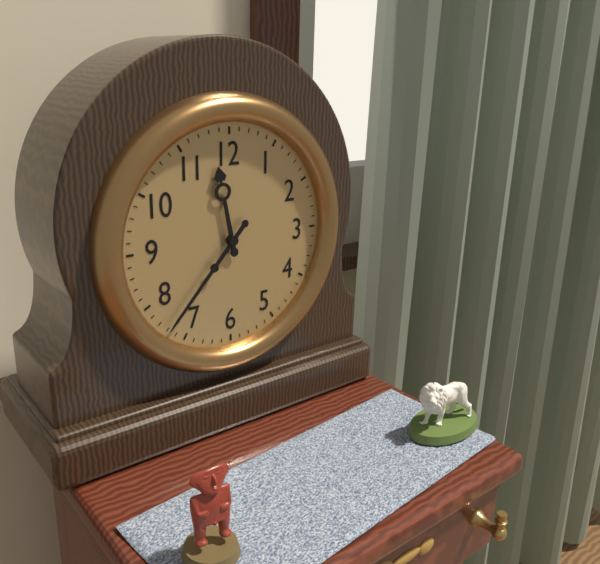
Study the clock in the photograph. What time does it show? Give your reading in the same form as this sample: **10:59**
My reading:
**11:37**
